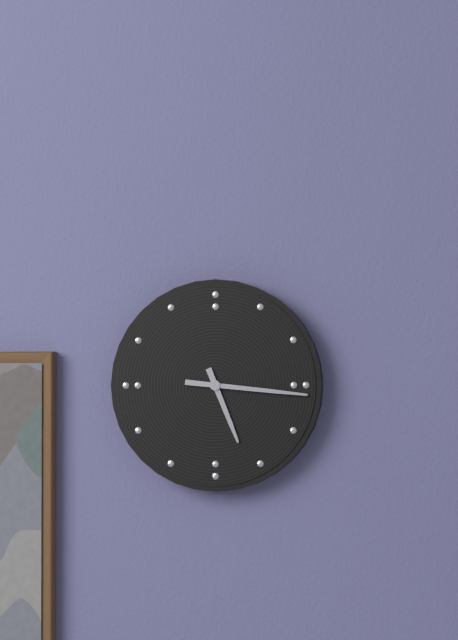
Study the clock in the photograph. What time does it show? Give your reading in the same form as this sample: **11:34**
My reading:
**5:16**
